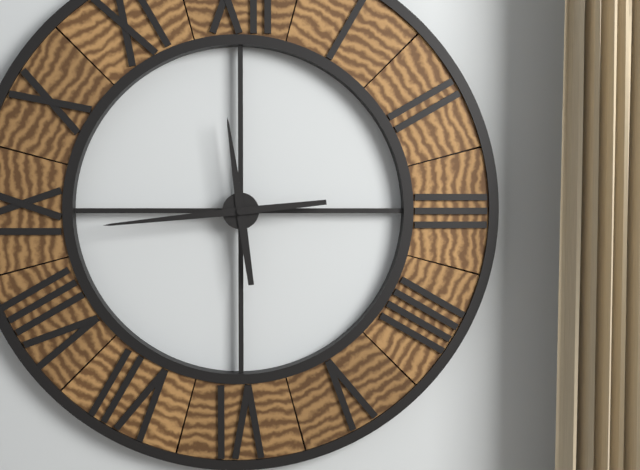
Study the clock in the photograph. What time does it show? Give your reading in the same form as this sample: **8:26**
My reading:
**11:44**
